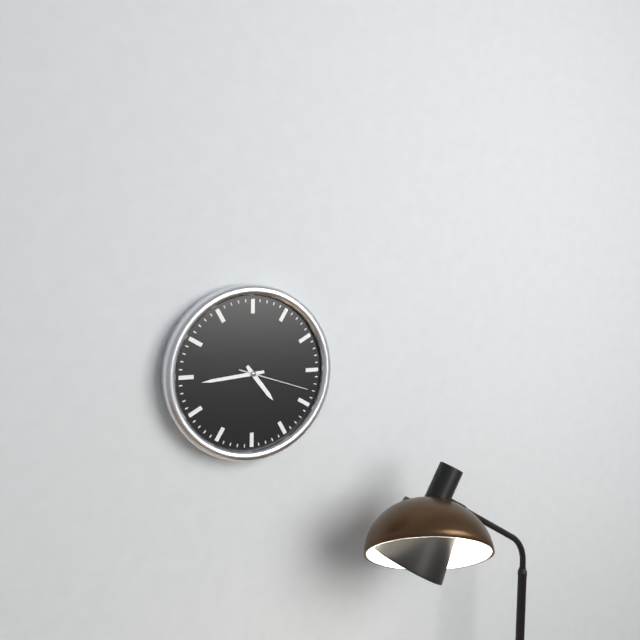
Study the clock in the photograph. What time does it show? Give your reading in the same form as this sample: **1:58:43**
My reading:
**4:44:18**
